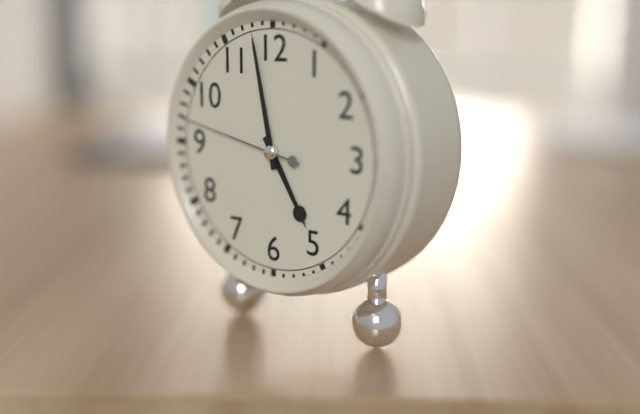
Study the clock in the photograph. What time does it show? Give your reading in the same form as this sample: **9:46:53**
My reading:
**4:58:47**
